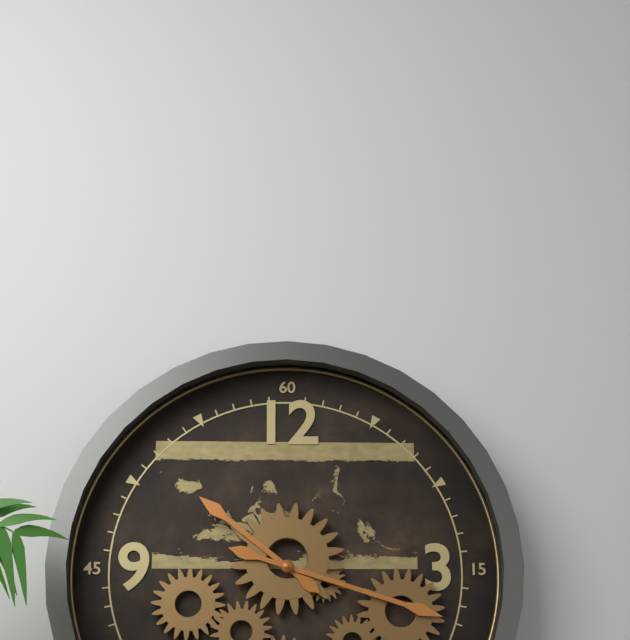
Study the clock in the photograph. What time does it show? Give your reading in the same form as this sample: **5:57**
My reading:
**10:18**
